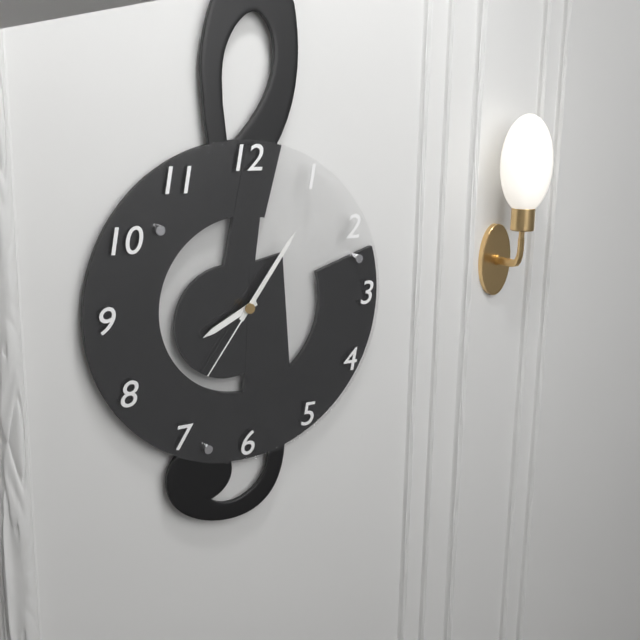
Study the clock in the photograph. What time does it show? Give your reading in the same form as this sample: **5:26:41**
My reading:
**8:06:36**
